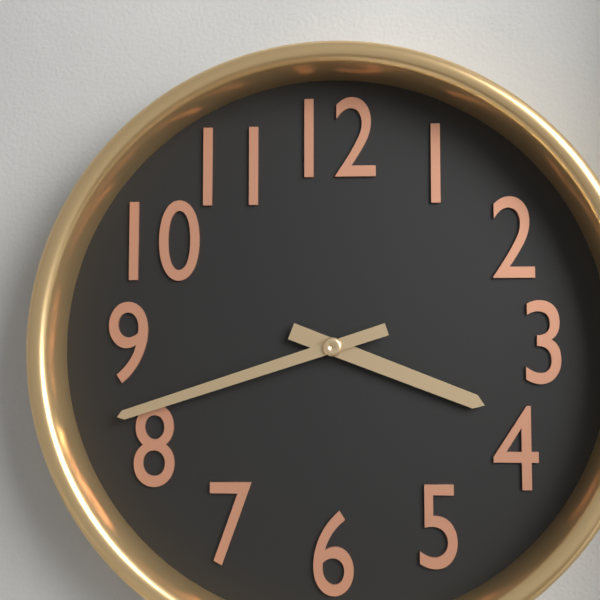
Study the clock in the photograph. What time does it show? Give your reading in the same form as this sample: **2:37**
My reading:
**3:42**
